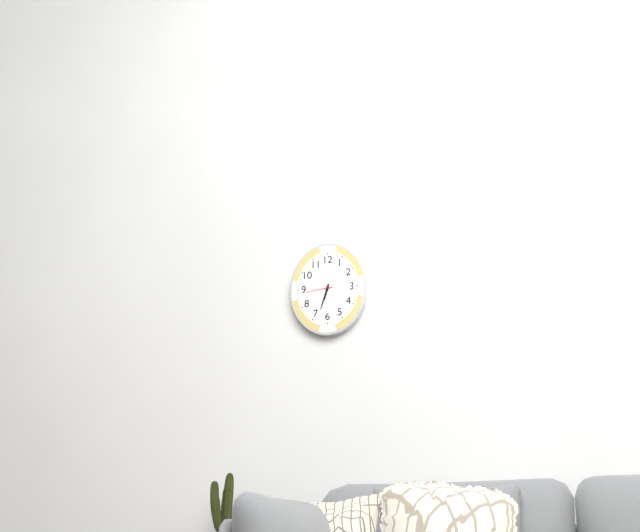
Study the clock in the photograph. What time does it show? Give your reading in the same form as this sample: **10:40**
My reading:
**6:33**
